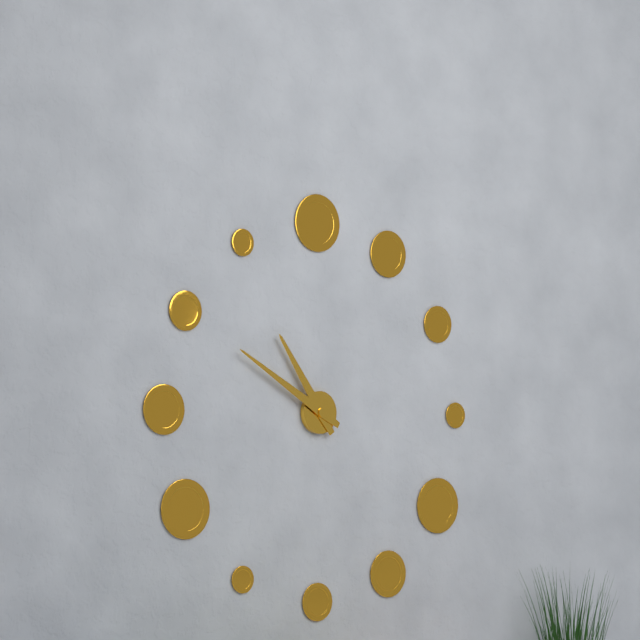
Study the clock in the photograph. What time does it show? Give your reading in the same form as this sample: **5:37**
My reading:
**10:50**
